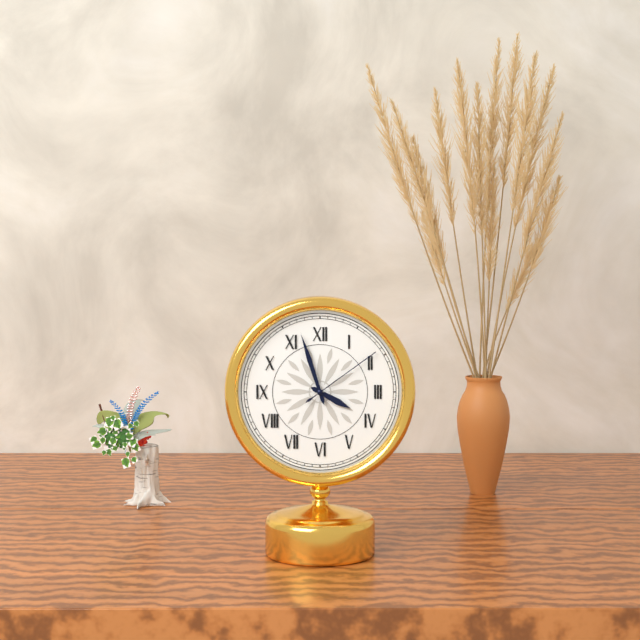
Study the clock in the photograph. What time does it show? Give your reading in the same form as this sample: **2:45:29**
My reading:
**3:57:09**
